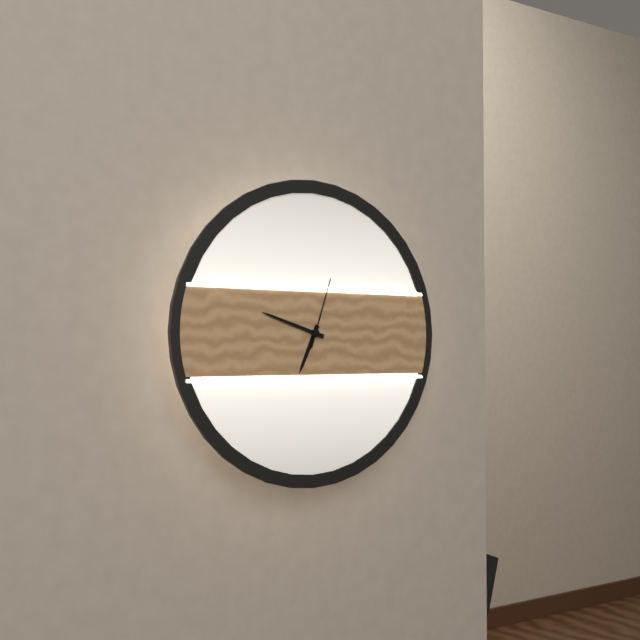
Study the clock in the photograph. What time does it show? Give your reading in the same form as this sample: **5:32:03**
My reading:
**6:48:03**
